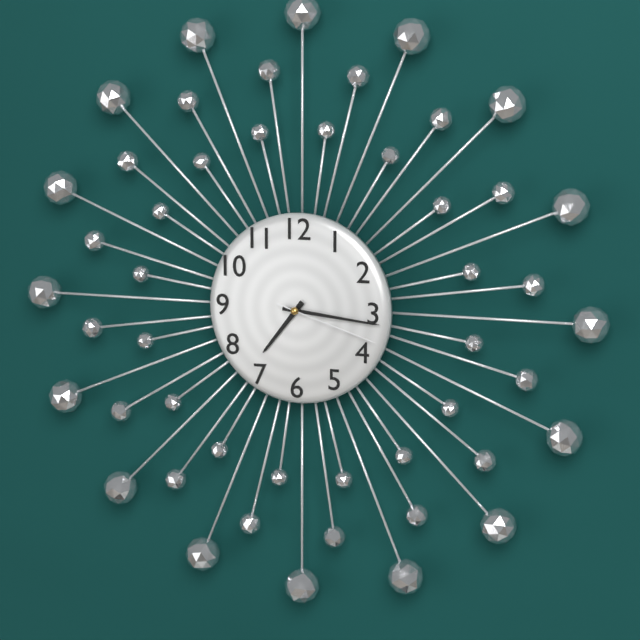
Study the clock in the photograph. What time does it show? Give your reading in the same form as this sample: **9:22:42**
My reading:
**7:16:18**
